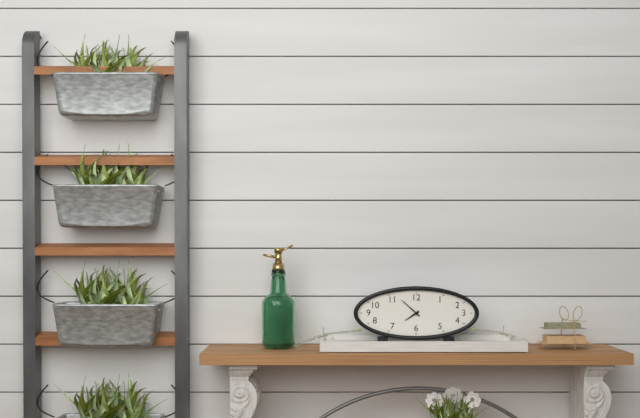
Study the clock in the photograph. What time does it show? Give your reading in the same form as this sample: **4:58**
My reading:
**7:52**
